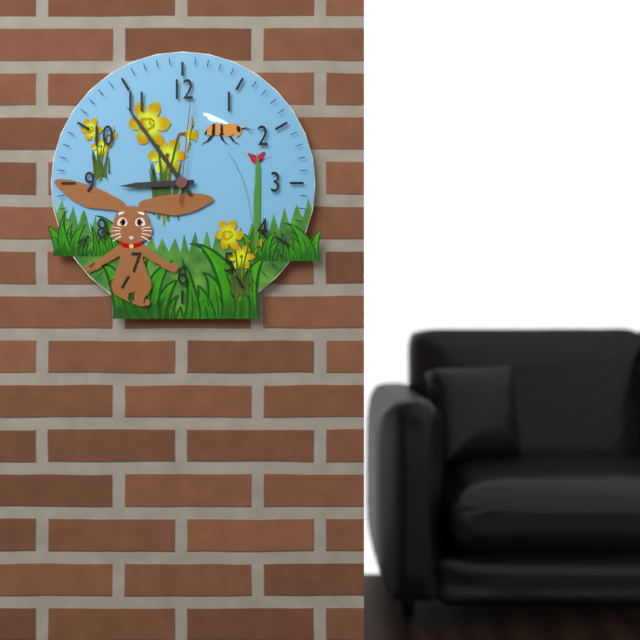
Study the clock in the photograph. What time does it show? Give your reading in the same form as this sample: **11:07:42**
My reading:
**8:54:01**
